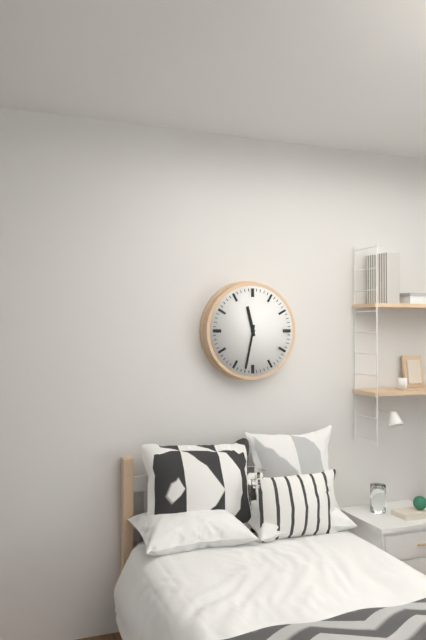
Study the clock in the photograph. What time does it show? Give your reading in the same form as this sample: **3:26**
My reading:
**11:32**
